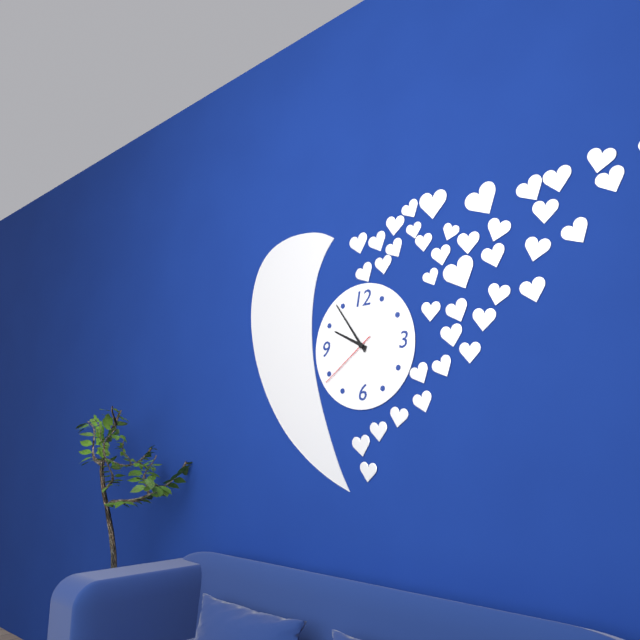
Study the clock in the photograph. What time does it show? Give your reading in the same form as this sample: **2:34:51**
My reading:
**9:54:39**
